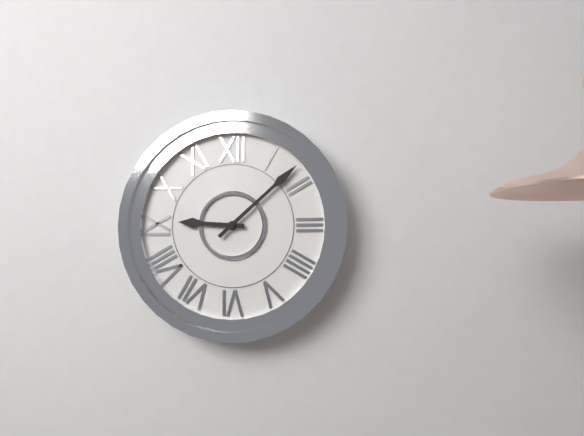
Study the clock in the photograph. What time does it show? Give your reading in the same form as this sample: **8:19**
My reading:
**9:08**
